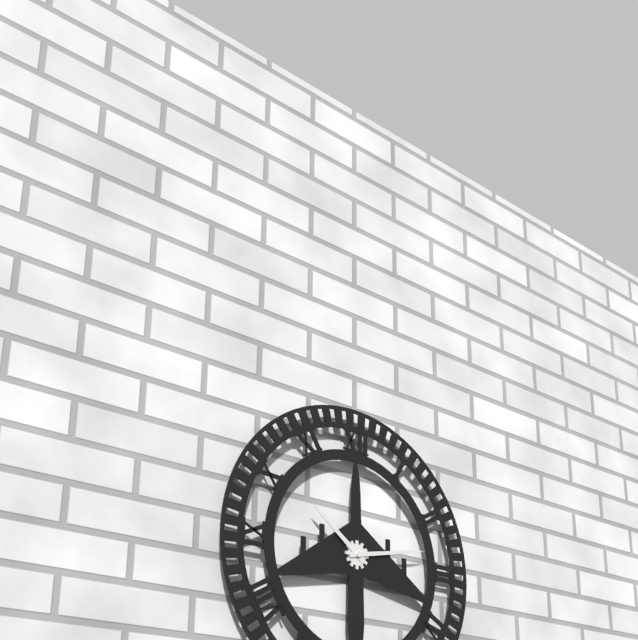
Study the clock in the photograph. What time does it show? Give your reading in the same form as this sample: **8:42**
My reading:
**10:13**
